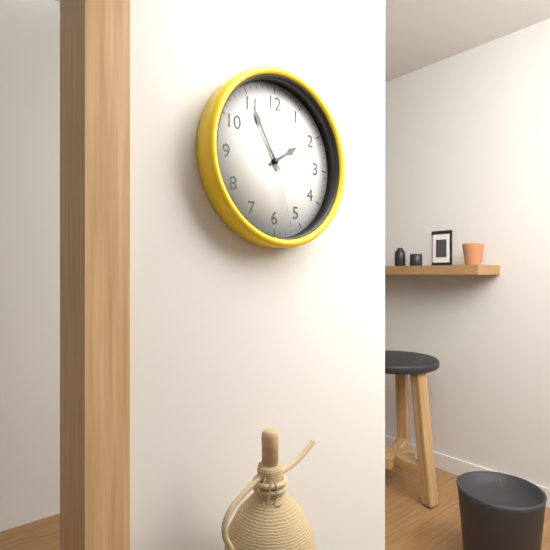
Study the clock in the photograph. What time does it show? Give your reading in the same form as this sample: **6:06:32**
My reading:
**1:55:27**
